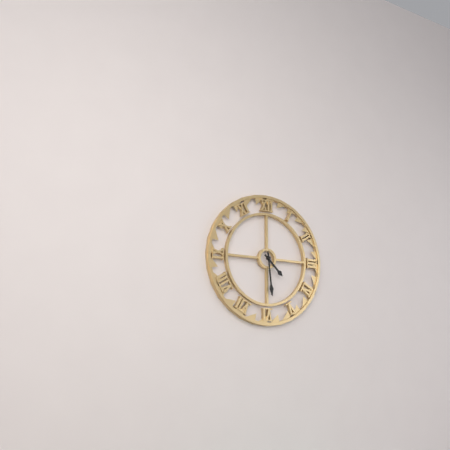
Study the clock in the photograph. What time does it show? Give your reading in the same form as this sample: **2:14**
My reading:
**4:29**
